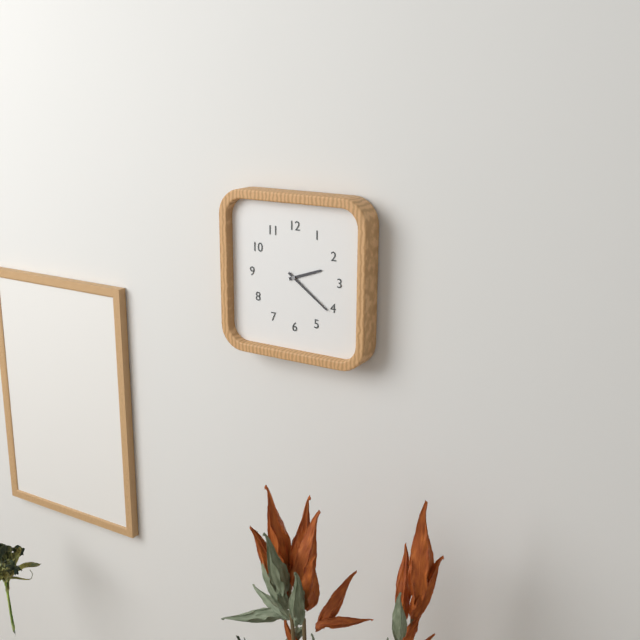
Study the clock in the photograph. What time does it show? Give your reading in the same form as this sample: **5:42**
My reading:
**2:21**
